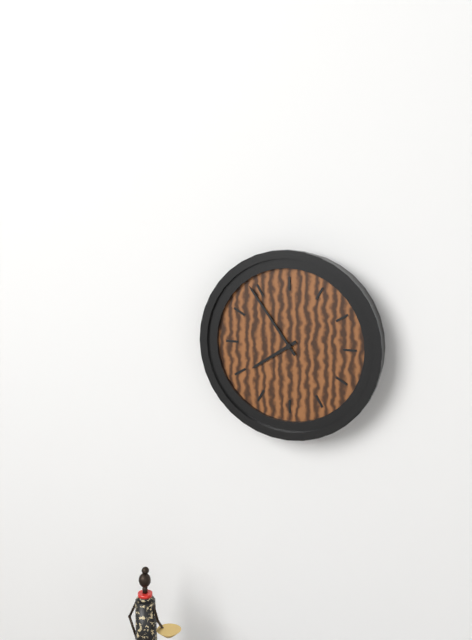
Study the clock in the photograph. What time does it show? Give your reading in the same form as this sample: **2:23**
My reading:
**7:54**
